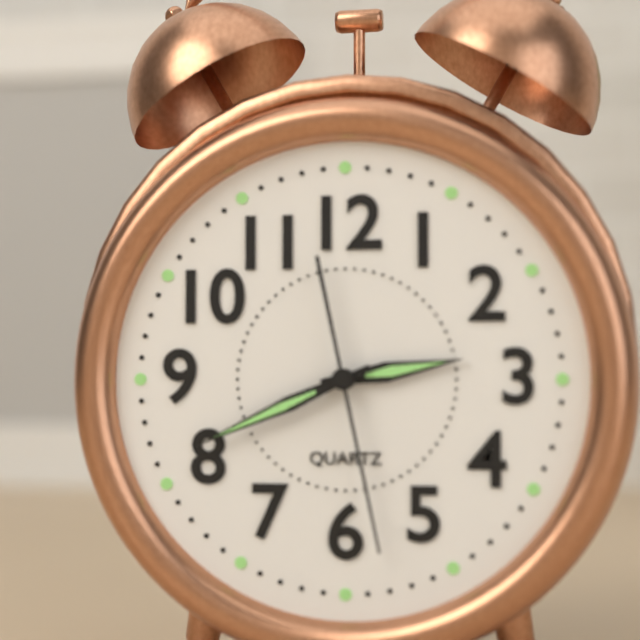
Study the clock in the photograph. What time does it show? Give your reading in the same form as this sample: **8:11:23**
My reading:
**2:41:28**
